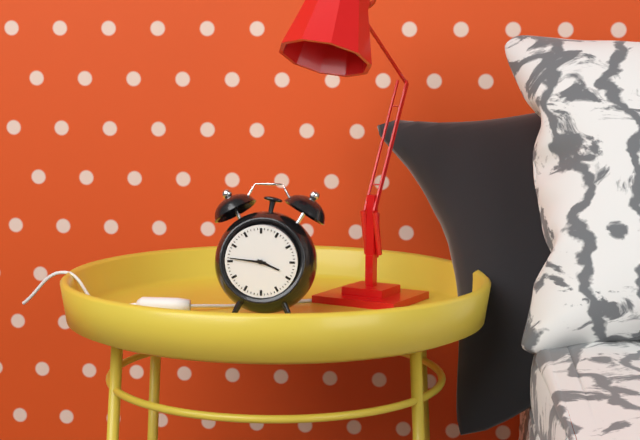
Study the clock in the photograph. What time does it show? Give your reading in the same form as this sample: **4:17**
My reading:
**3:46**
